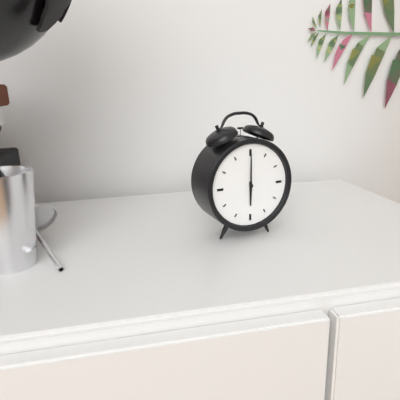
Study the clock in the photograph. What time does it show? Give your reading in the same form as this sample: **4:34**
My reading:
**6:00**
